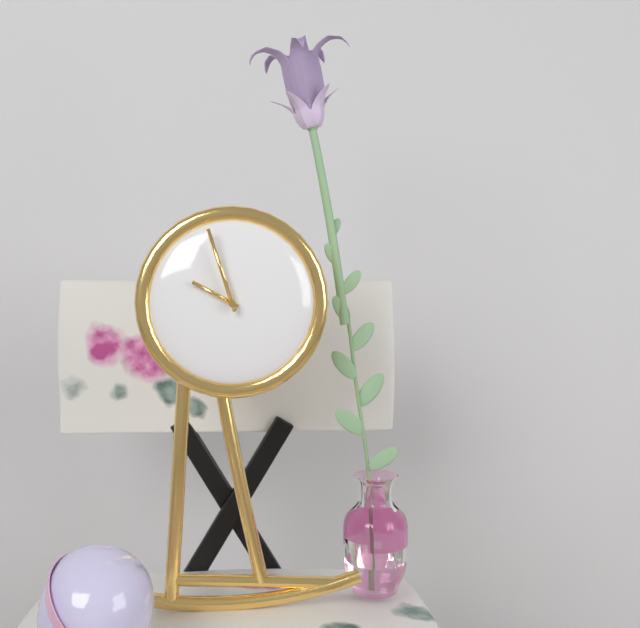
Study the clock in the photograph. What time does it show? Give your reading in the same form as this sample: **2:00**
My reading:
**9:57**
